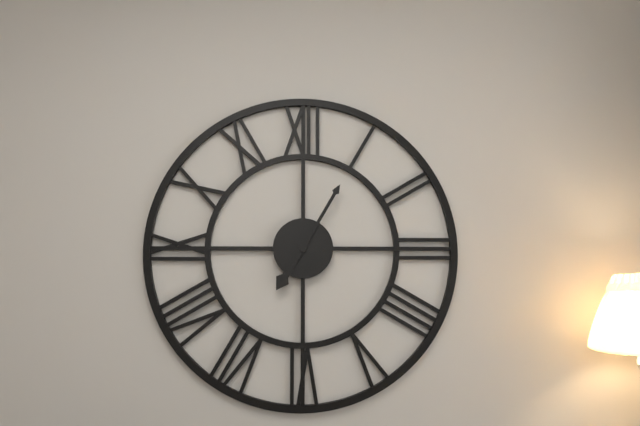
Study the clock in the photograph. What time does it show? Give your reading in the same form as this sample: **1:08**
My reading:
**7:05**
